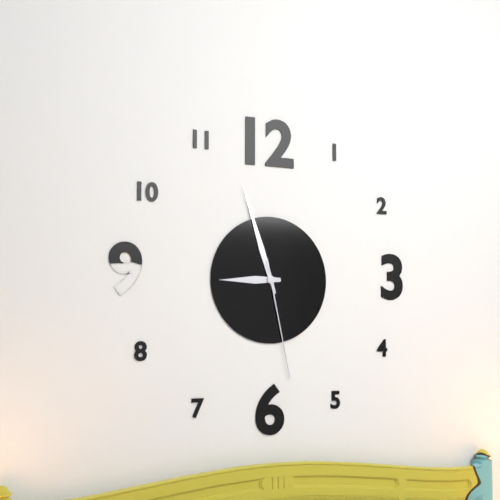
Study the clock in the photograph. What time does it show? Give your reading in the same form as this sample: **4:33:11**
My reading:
**8:57:28**
